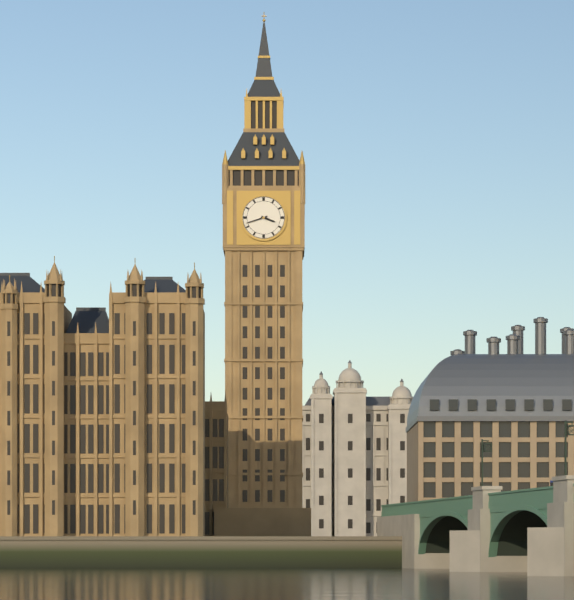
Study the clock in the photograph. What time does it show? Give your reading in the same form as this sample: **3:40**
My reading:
**3:42**
